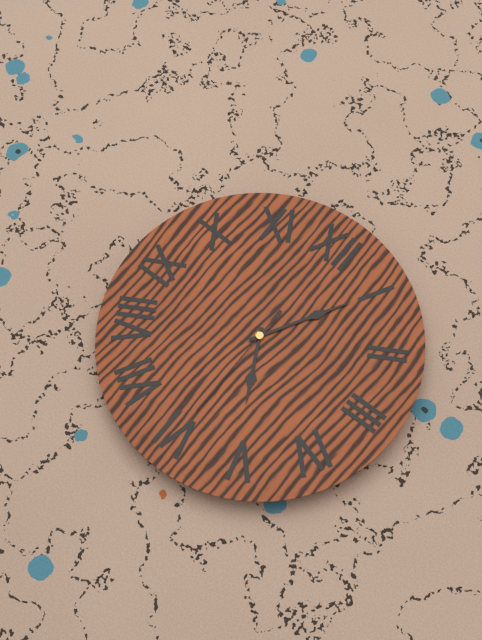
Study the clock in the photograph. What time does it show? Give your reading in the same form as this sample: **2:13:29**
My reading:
**5:05:30**
